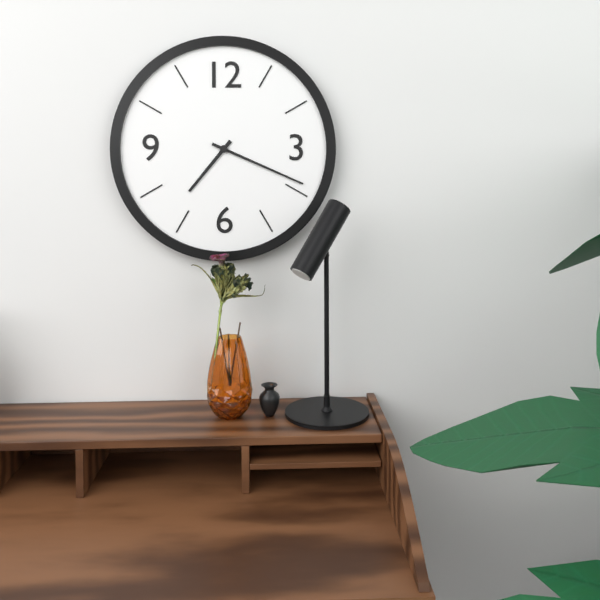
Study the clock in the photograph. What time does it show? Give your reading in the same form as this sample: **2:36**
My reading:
**7:19**
